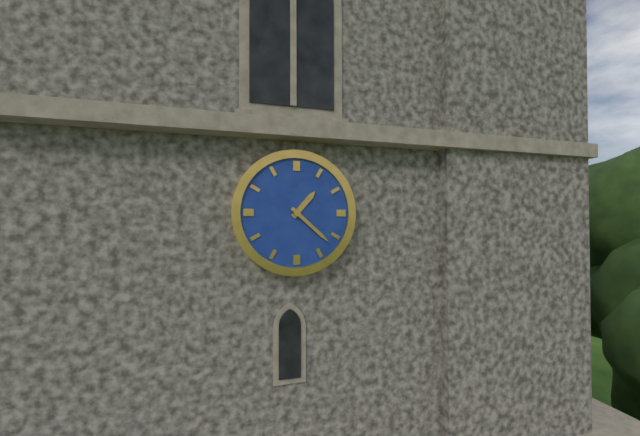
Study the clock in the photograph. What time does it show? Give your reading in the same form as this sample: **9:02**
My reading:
**1:22**
